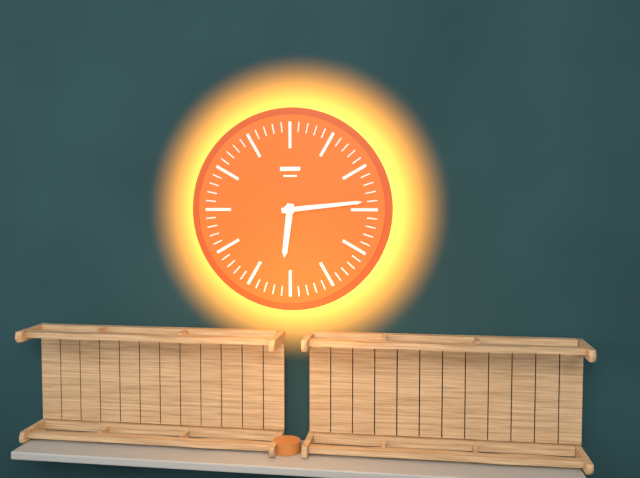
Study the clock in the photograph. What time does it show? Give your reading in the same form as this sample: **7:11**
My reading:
**6:14**
